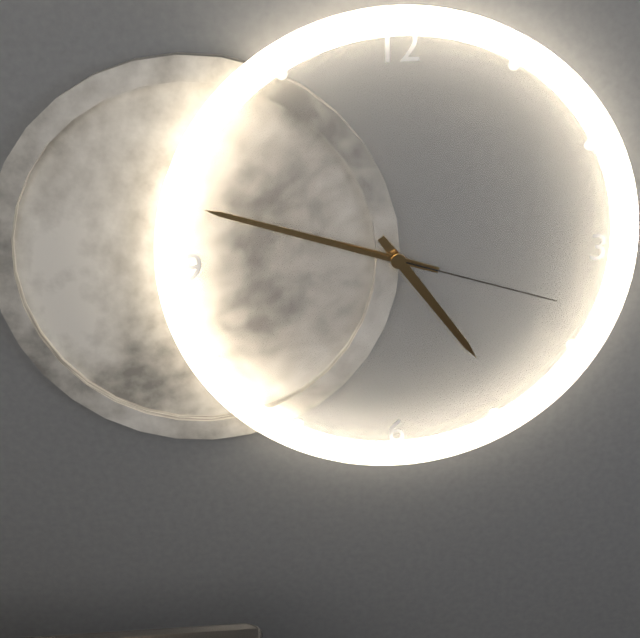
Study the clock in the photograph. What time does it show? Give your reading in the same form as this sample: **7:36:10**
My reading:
**4:48:18**
